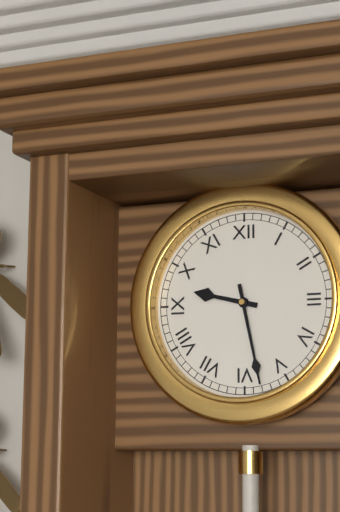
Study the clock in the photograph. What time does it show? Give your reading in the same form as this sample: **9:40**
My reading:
**9:28**
